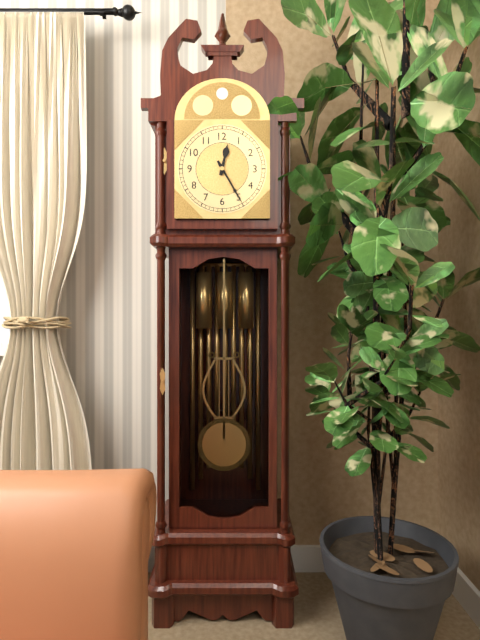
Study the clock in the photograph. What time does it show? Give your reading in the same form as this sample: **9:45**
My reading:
**12:25**
